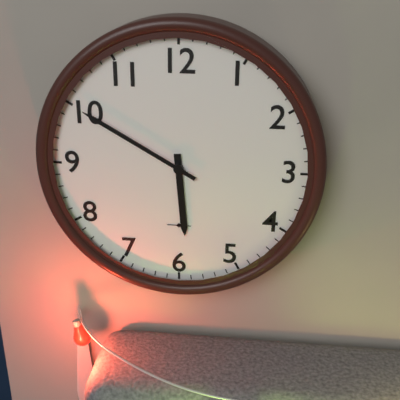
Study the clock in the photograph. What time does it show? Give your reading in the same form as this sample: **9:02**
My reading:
**5:50**
